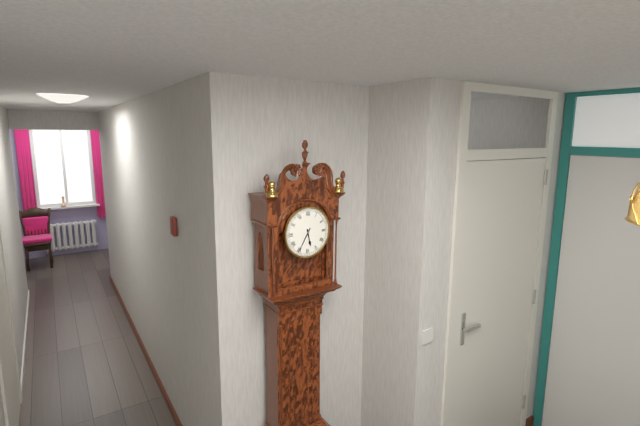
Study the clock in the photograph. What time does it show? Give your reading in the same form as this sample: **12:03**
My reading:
**5:35**
